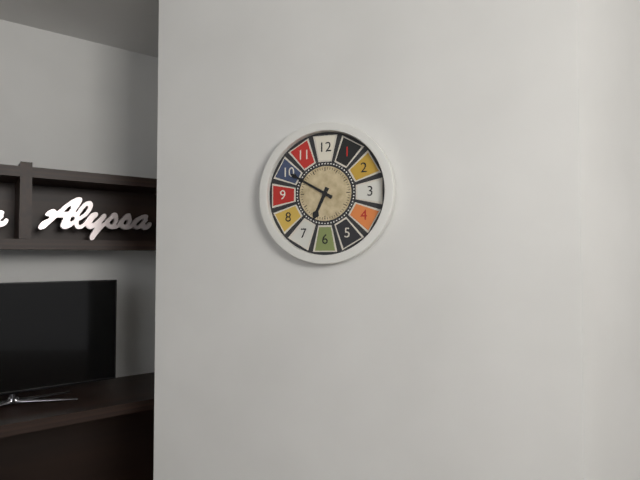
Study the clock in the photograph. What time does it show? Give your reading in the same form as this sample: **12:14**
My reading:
**6:50**
